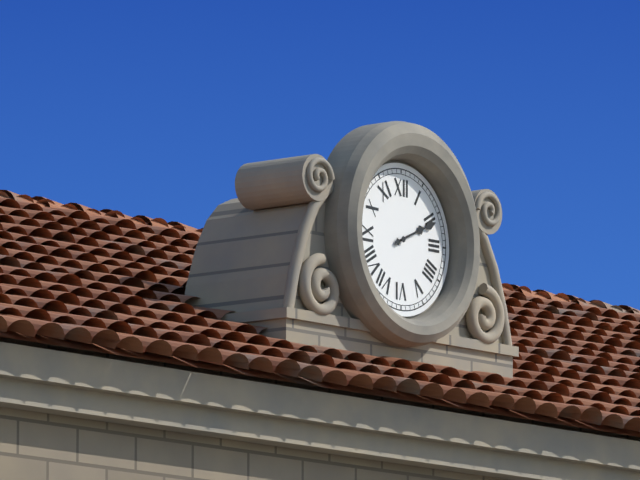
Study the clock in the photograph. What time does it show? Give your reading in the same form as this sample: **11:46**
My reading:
**2:11**
